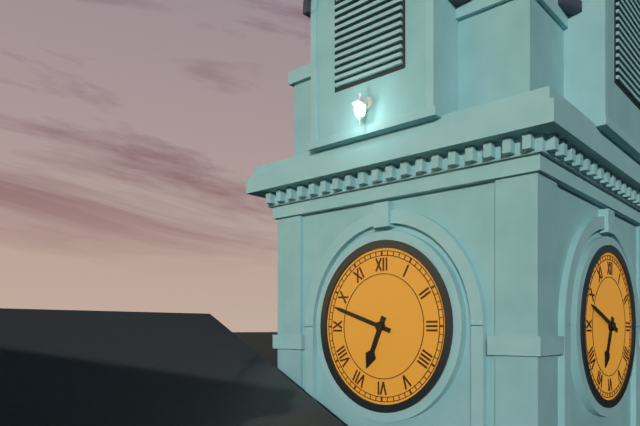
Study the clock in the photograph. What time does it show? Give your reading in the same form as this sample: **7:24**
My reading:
**6:48**
